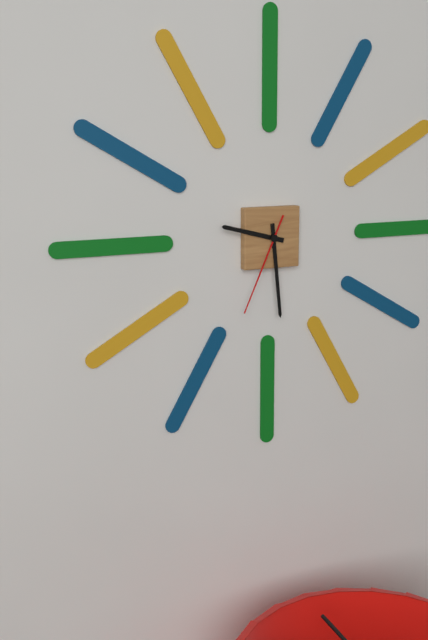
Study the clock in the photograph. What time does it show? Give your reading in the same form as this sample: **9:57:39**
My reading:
**9:29:34**
